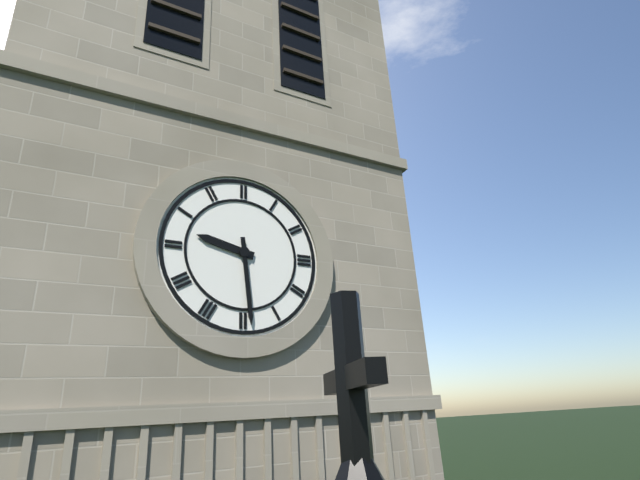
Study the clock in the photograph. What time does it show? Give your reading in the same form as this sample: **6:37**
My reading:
**9:29**
